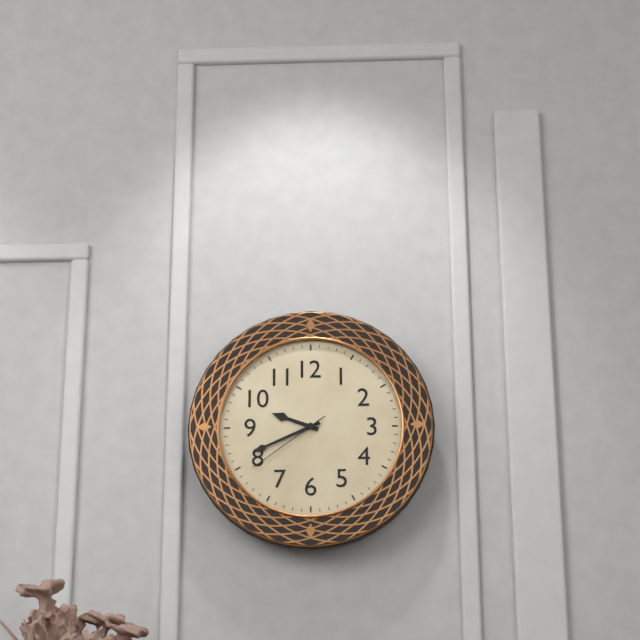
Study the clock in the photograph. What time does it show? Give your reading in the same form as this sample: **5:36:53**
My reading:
**9:41:39**
